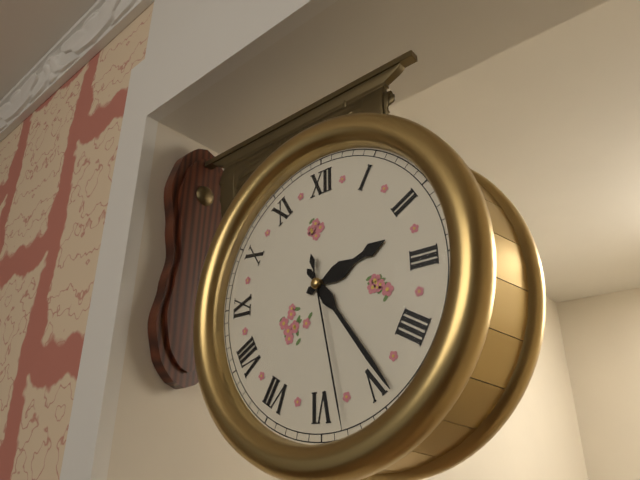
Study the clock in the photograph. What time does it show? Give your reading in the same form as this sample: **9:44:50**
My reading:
**2:24:28**
